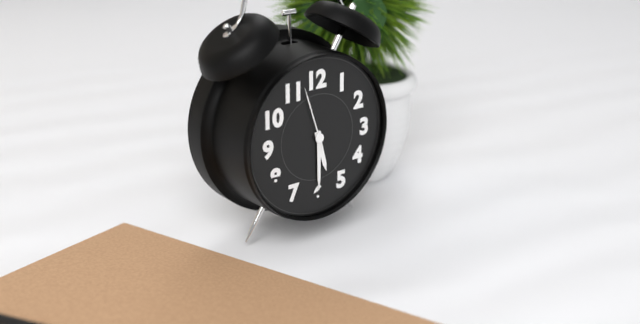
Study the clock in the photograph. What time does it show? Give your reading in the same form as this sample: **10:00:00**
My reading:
**5:30:57**
